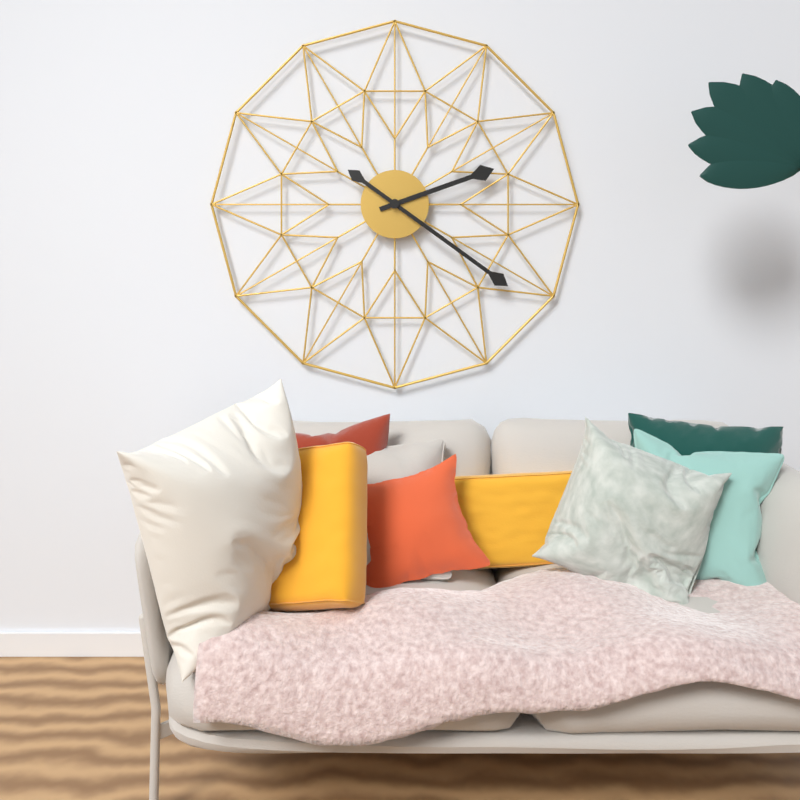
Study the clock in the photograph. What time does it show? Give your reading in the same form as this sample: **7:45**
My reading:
**2:21**
